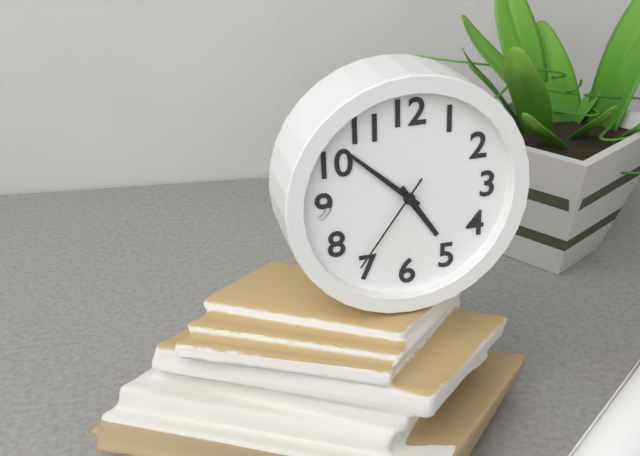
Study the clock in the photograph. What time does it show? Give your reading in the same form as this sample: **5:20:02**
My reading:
**4:52:36**
